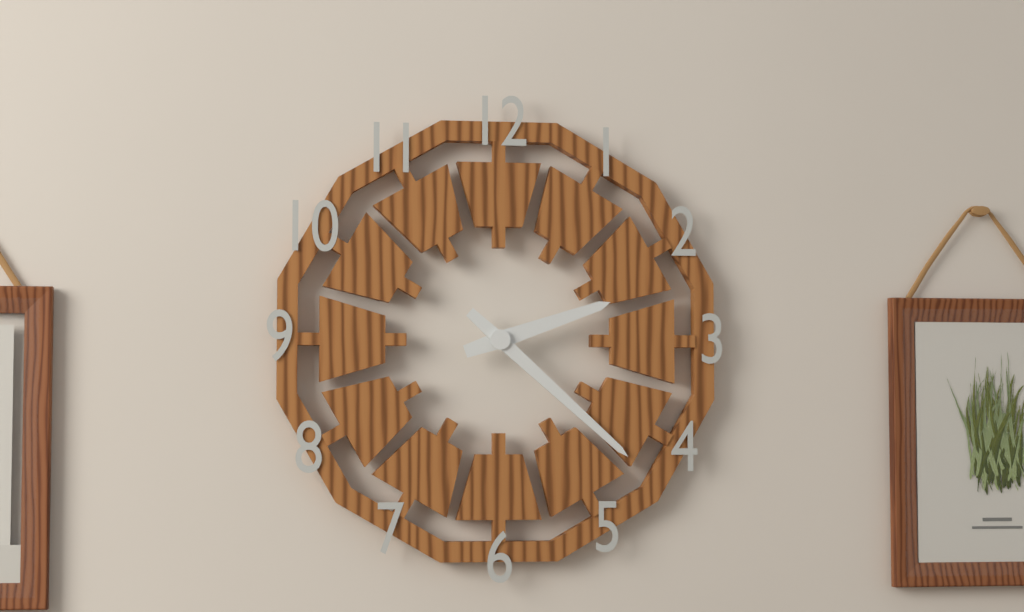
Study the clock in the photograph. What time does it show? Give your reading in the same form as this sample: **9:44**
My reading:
**2:22**
